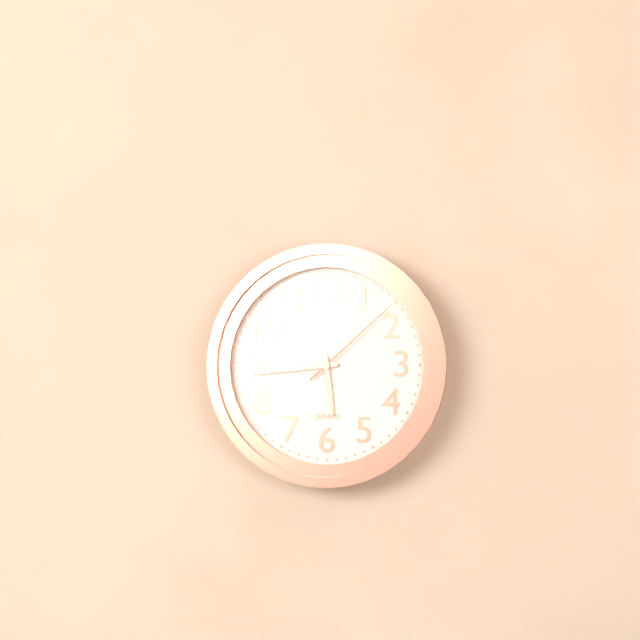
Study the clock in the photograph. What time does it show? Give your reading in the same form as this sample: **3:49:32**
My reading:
**5:44:08**
